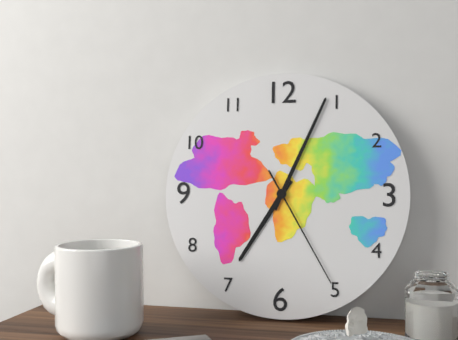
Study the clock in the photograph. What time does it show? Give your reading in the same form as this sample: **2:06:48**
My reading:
**7:04:25**
